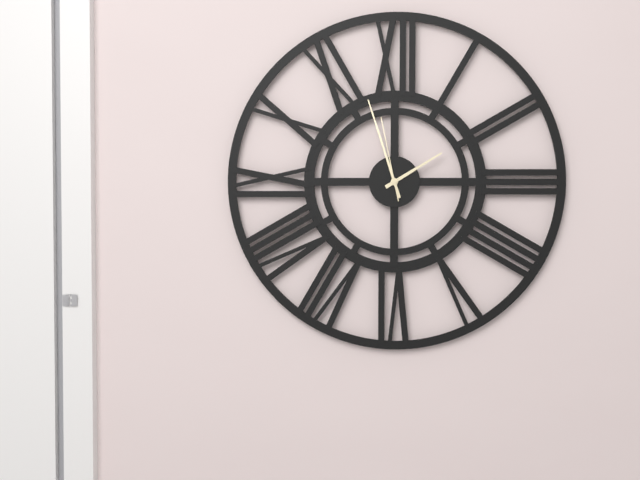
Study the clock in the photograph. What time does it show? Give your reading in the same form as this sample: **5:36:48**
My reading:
**1:57:58**
